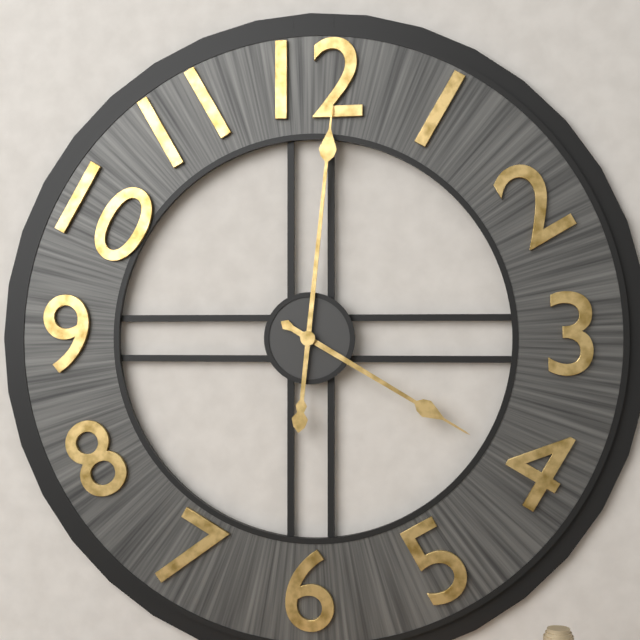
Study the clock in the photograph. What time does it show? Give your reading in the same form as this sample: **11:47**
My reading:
**4:01**
